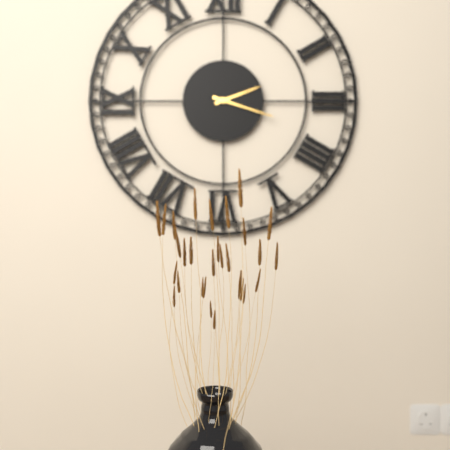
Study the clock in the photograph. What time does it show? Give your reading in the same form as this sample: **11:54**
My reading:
**2:18**
